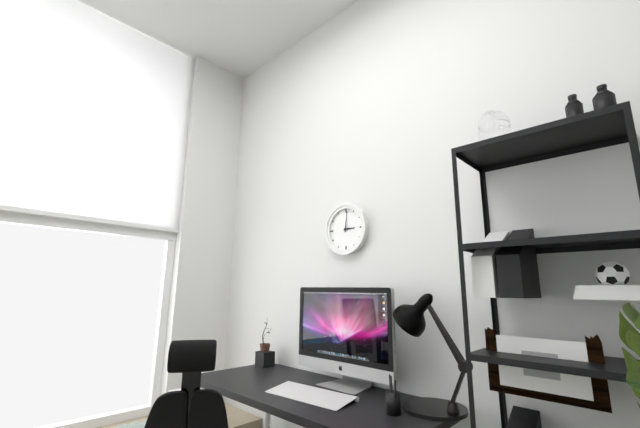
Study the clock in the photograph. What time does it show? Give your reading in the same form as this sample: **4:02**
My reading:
**3:01**
